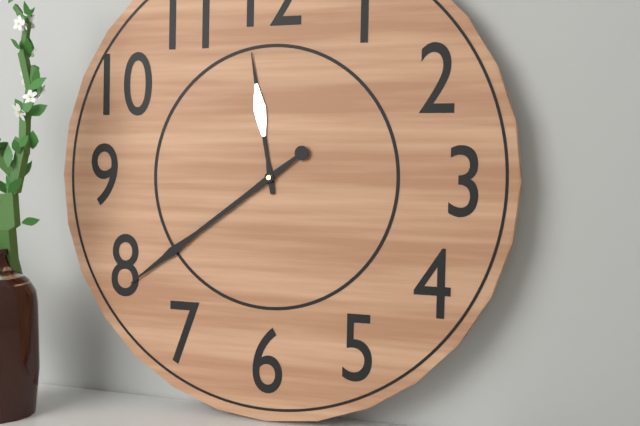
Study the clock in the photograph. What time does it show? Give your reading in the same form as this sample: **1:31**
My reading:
**11:39**
